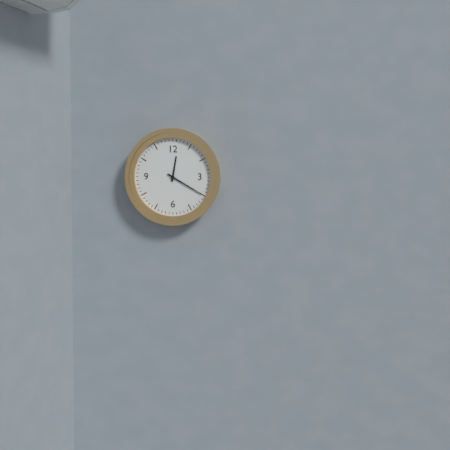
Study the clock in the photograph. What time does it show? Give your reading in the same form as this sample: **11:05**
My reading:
**12:20**
